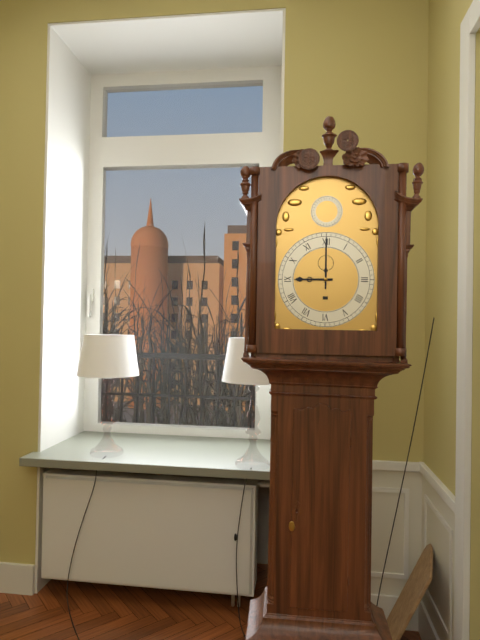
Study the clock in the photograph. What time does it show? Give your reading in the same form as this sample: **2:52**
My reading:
**9:00**
